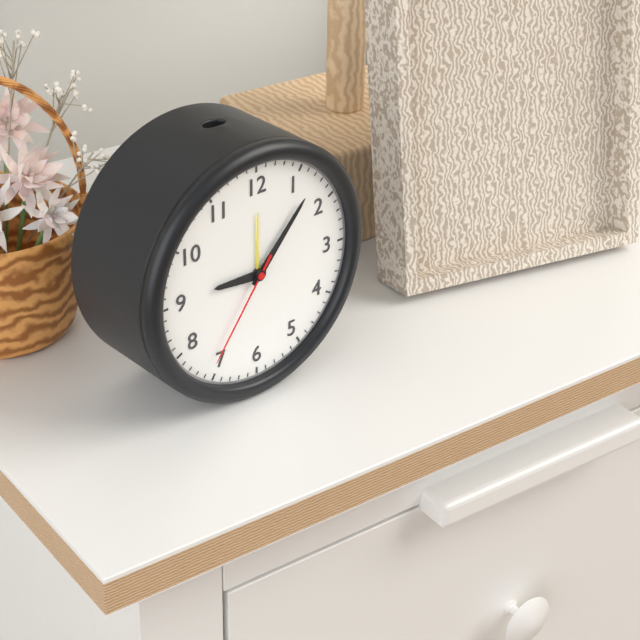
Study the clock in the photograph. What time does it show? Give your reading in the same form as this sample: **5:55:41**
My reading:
**9:07:36**
